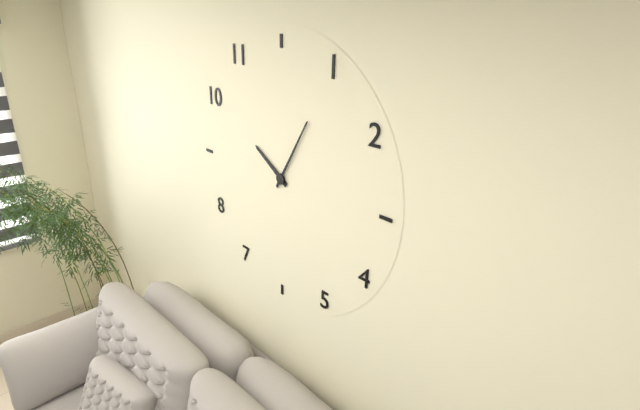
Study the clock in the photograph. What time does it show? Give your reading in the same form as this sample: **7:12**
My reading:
**10:05**
